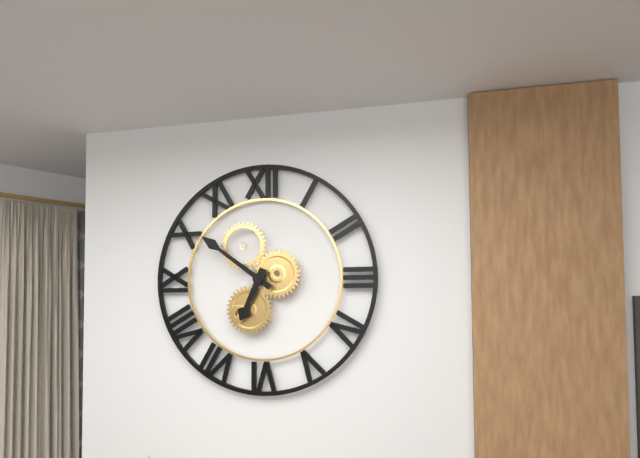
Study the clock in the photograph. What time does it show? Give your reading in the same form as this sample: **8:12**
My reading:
**6:51**
